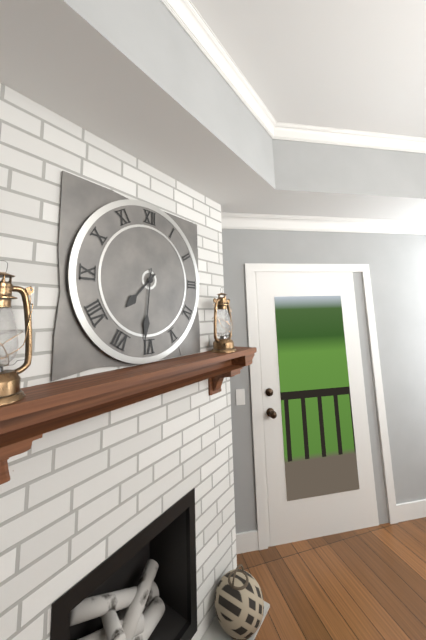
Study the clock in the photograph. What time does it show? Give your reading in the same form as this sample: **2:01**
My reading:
**7:31**
